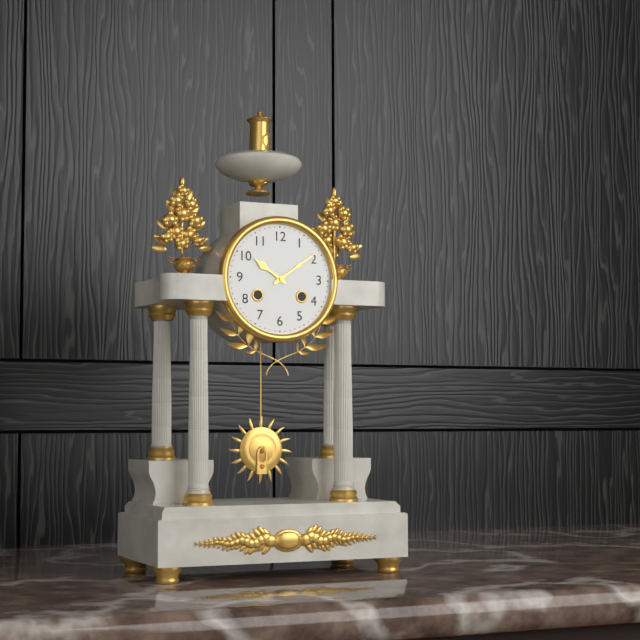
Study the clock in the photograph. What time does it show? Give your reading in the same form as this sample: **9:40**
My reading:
**10:09**
